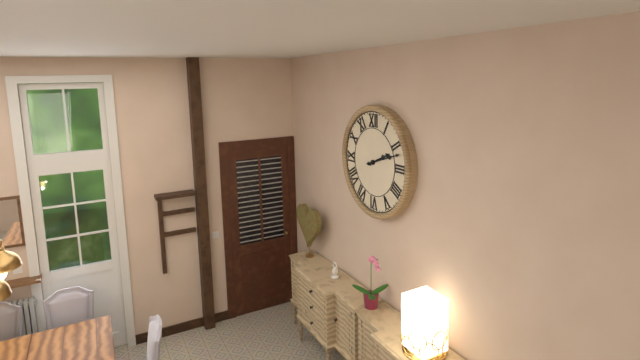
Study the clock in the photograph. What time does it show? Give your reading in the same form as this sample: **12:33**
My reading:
**2:12**
